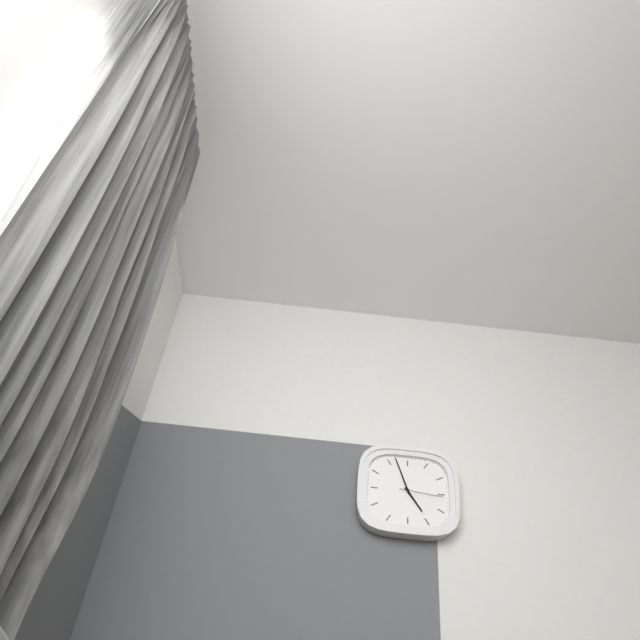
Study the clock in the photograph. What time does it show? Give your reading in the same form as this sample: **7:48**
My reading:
**4:57**
